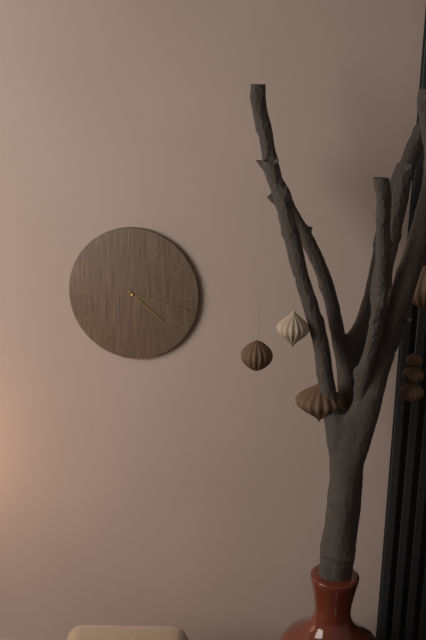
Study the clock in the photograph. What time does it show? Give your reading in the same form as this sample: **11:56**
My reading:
**4:17**
